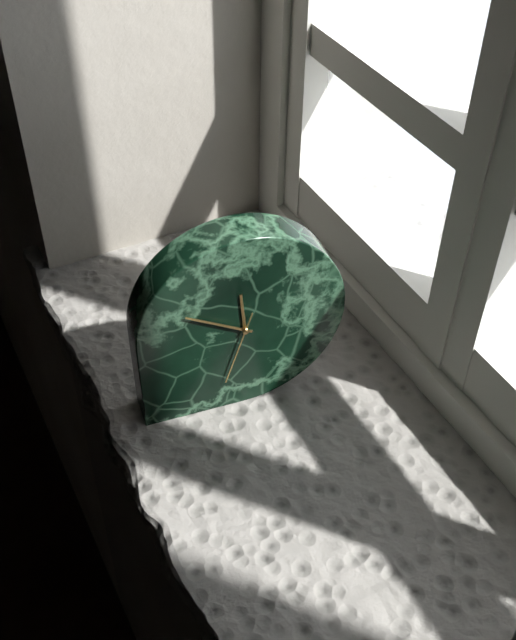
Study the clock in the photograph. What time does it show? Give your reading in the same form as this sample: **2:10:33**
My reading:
**11:50:33**
